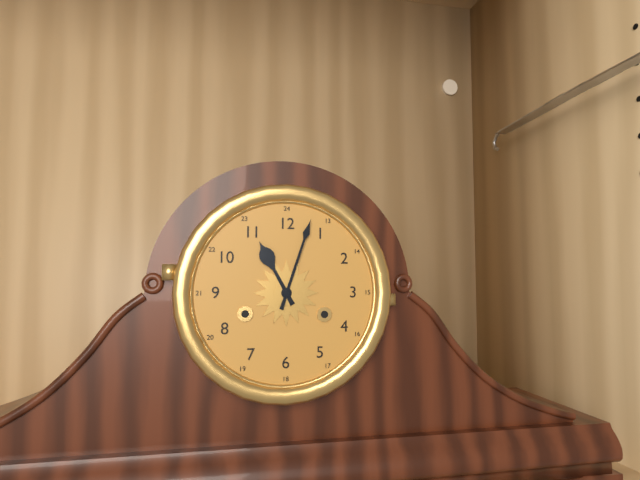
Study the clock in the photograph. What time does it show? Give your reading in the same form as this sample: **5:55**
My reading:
**11:03**
